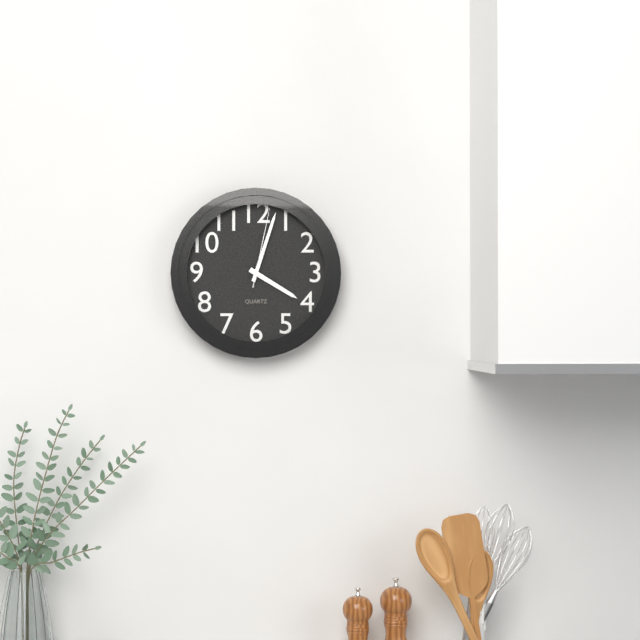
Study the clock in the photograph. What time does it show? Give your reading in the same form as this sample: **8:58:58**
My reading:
**4:03:02**
